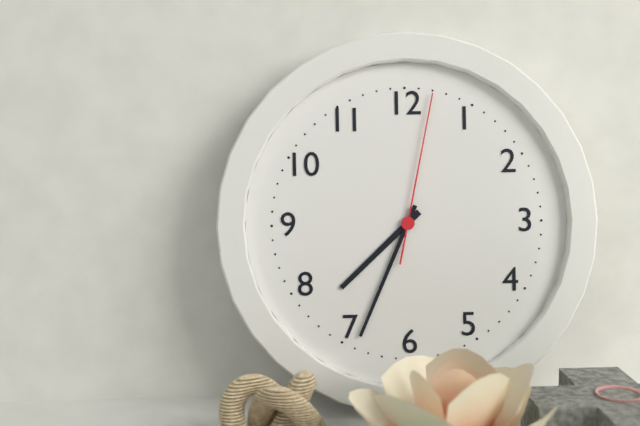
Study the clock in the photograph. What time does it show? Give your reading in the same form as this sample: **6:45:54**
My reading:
**7:34:02**
